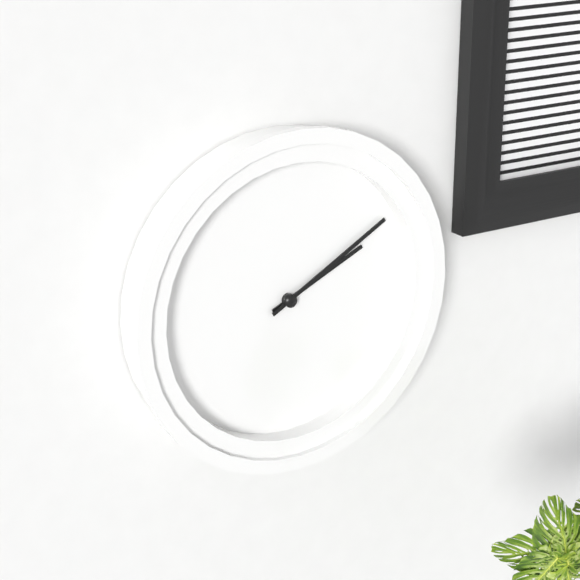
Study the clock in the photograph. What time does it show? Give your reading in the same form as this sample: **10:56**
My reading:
**2:10**
